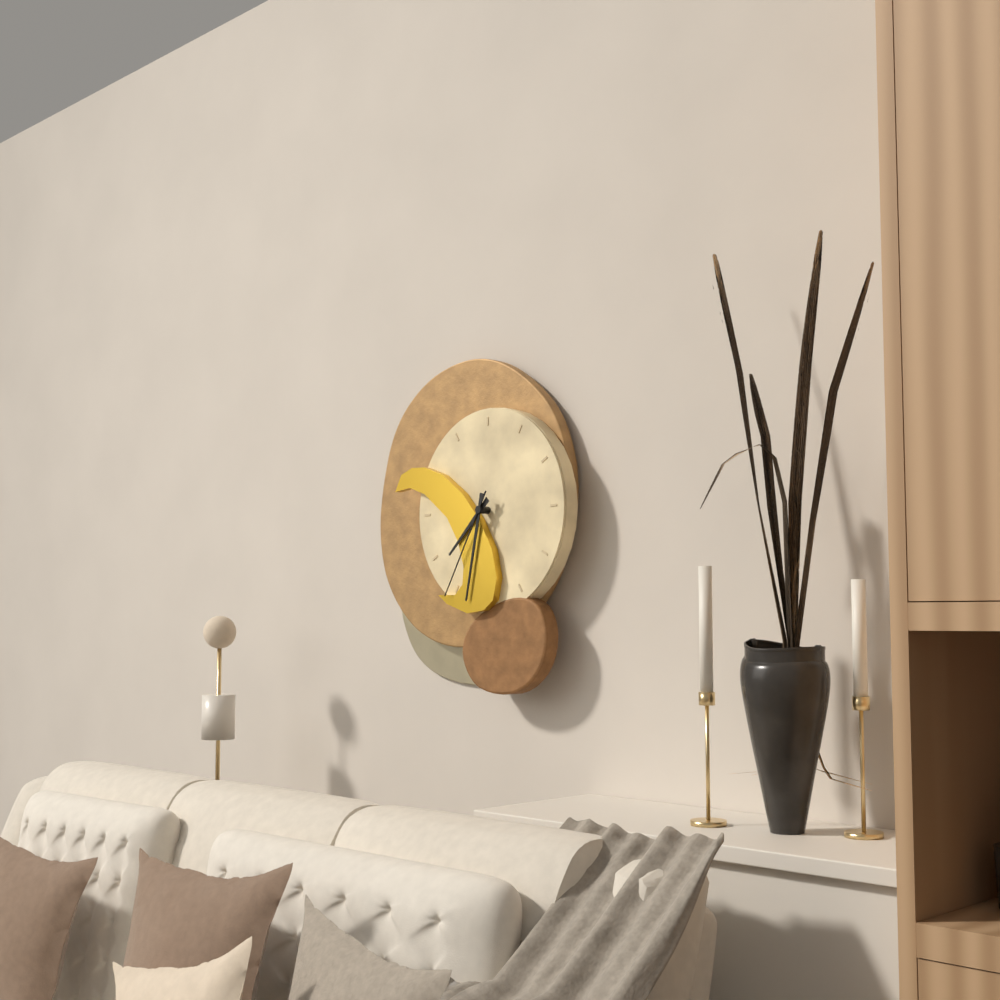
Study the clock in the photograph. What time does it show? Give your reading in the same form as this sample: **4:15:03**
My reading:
**7:32:35**
